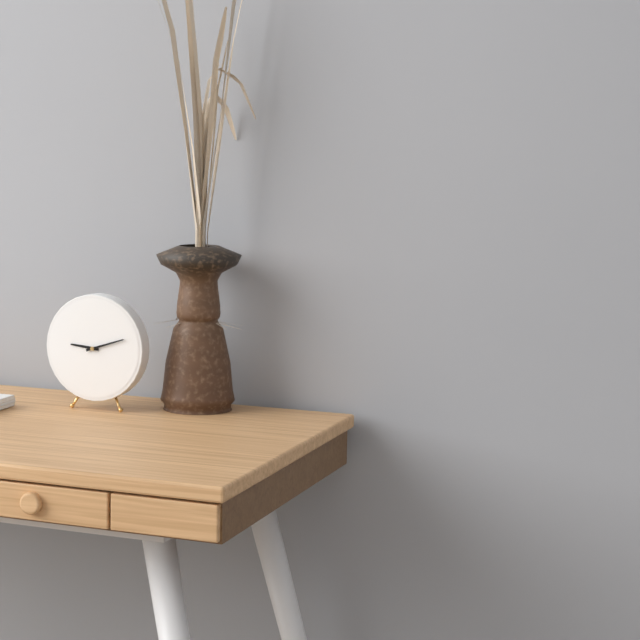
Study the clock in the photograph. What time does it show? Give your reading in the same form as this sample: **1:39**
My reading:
**9:12**
